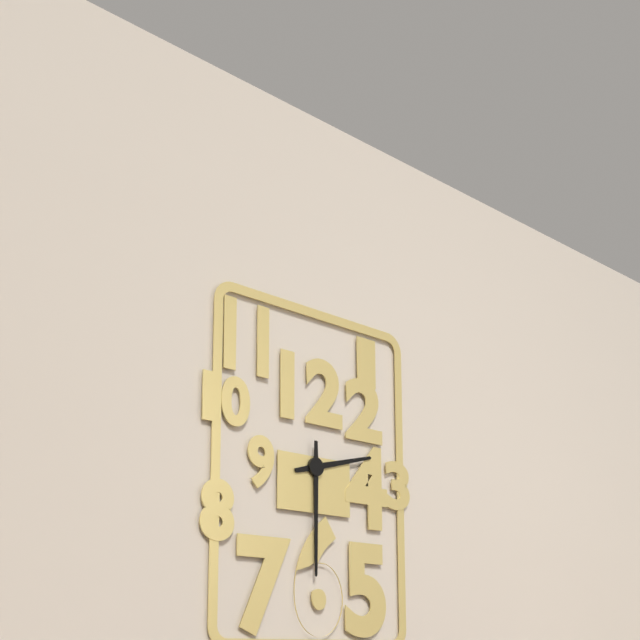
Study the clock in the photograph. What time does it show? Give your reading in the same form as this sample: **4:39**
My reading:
**2:30**
